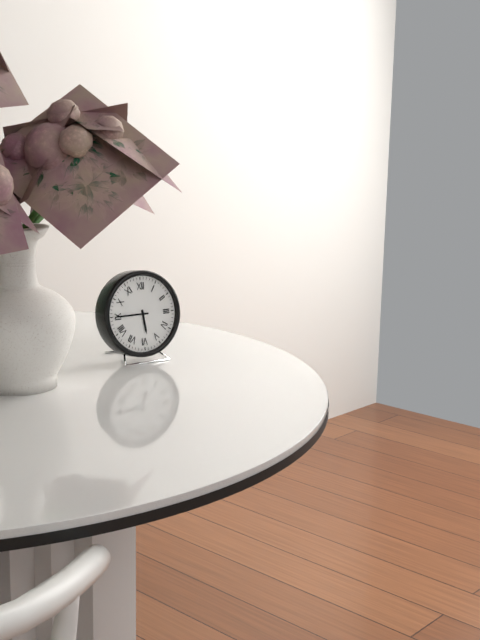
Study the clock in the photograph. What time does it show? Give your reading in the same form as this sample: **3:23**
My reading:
**5:45**
